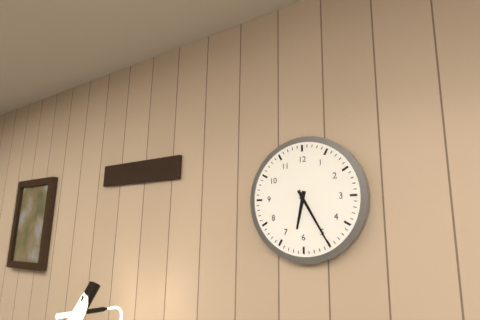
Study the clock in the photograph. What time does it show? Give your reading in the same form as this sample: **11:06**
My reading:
**6:25**
